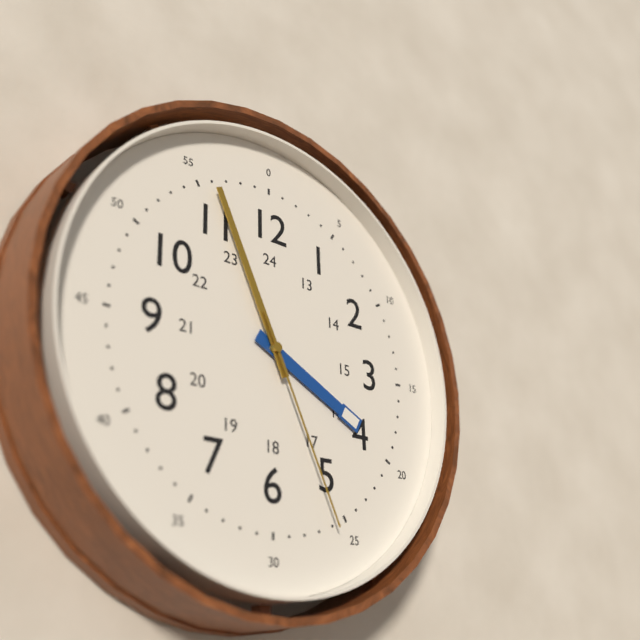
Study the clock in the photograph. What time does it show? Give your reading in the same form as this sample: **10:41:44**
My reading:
**3:56:26**
